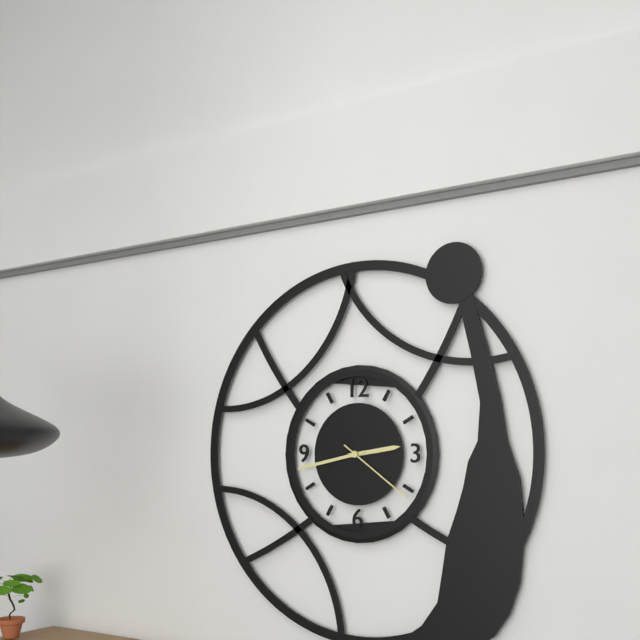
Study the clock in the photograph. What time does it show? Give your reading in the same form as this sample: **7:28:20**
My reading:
**2:43:21**
